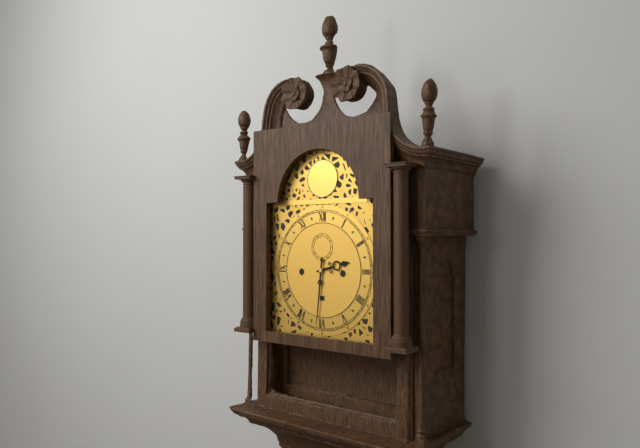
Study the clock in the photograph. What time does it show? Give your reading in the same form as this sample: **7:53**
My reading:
**2:31**
